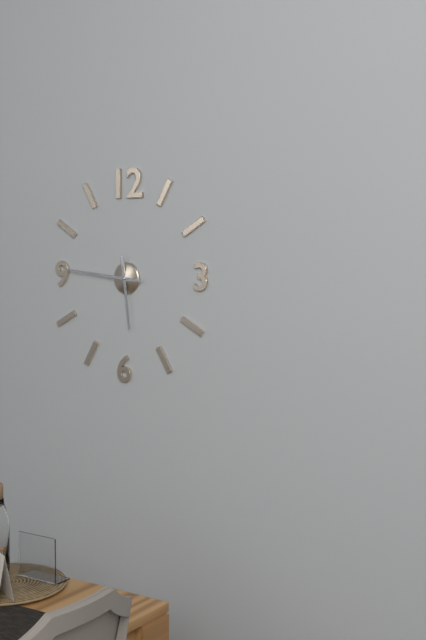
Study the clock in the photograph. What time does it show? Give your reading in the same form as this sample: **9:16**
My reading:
**5:46**
